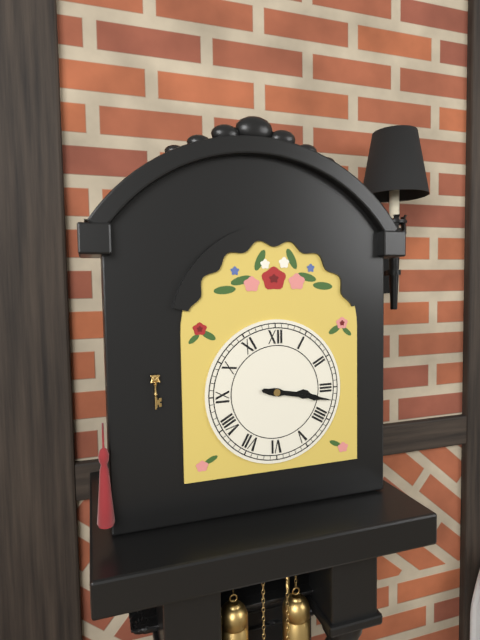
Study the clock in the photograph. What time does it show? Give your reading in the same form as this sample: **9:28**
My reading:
**3:17**
